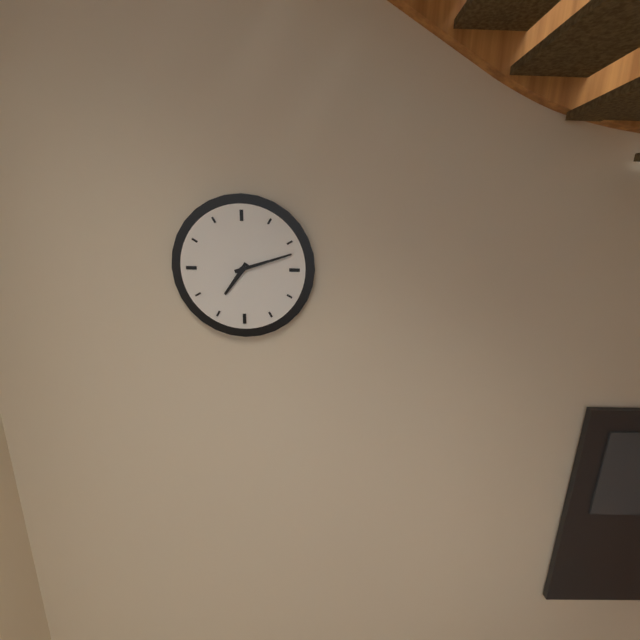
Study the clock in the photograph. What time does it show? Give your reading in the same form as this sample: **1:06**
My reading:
**7:12**
